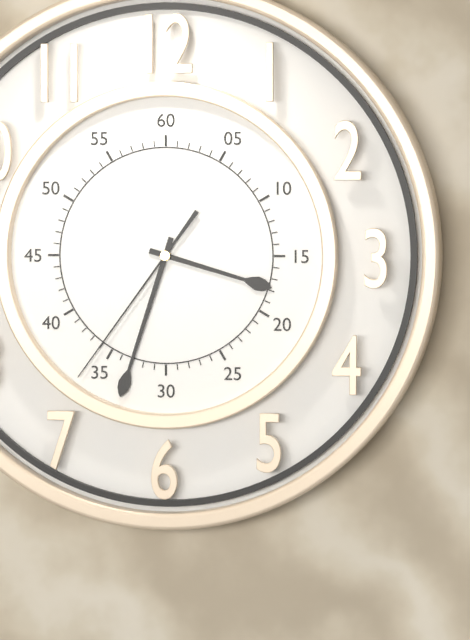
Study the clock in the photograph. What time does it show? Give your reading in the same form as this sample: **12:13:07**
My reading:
**3:33:36**
